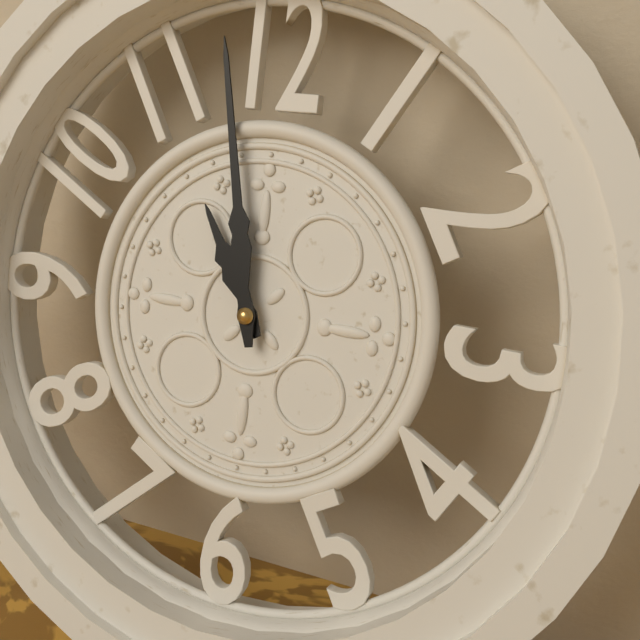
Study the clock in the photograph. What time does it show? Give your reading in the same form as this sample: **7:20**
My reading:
**10:58**
